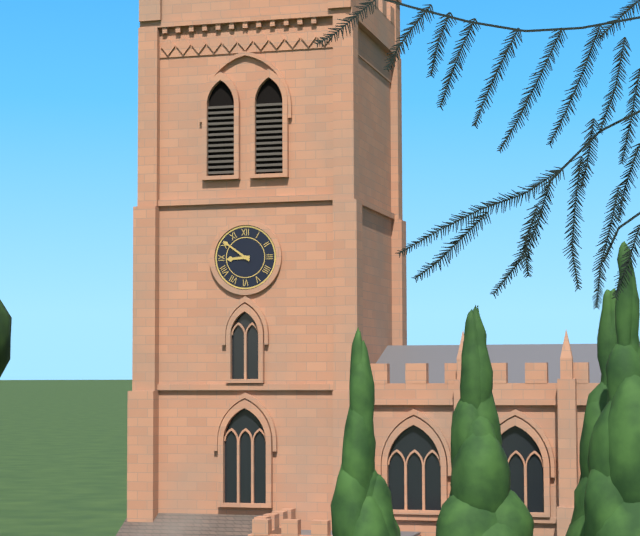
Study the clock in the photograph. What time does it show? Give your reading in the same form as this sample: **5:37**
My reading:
**8:51**
